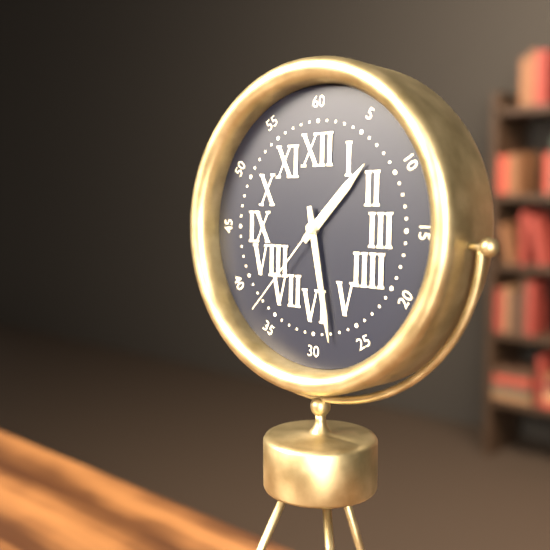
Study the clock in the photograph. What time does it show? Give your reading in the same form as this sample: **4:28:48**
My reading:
**1:28:37**
